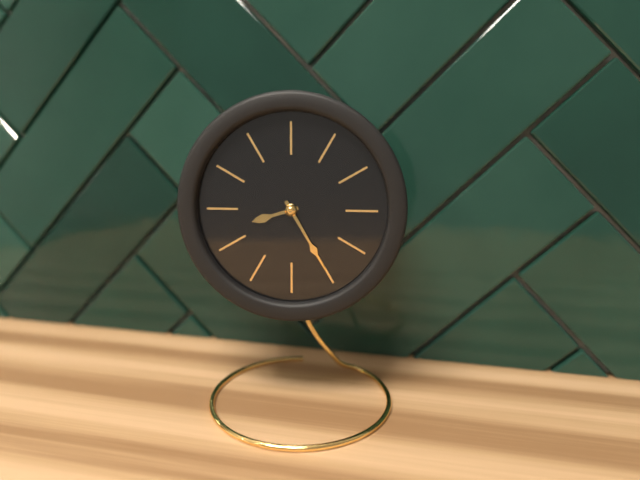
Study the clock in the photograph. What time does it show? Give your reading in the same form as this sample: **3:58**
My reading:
**8:25**
